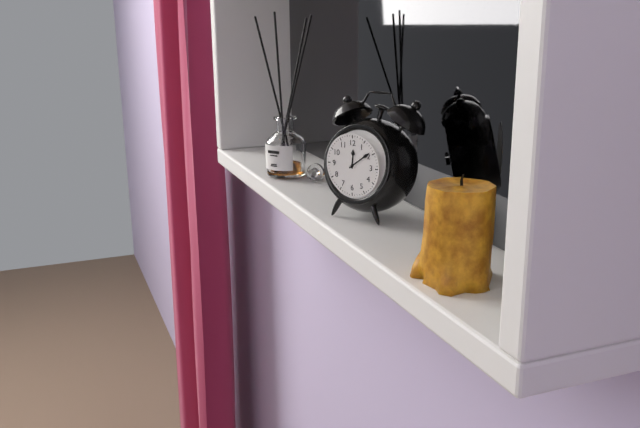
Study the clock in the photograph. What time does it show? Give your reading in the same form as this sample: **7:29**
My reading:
**12:09**
